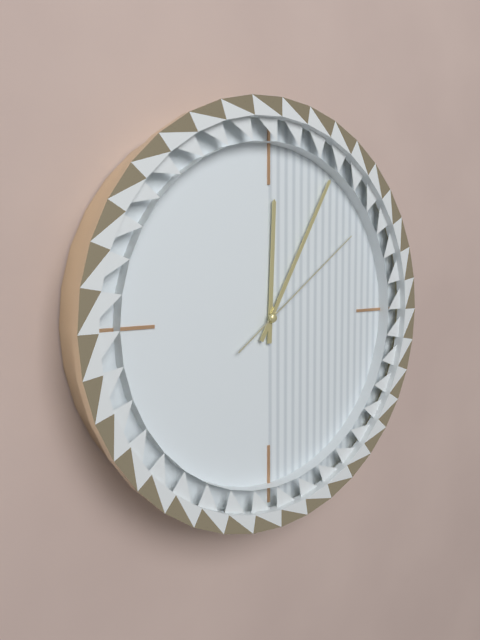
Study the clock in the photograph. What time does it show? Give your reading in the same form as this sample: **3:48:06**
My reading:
**12:05:09**
